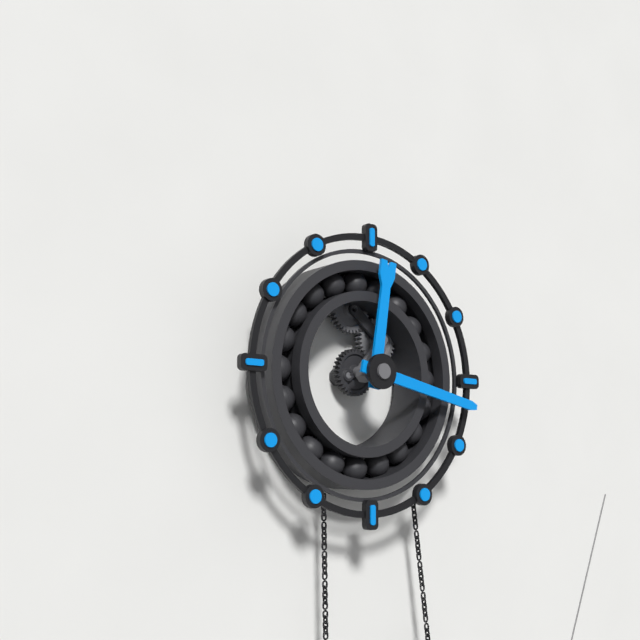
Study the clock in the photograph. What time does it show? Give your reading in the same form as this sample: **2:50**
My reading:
**12:17**
